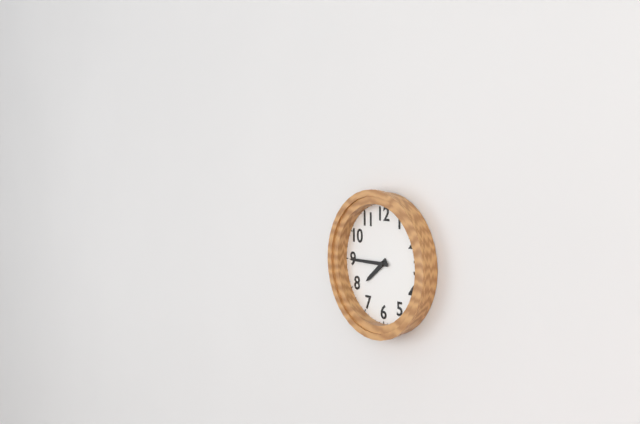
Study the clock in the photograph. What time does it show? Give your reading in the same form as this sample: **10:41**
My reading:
**7:45**
